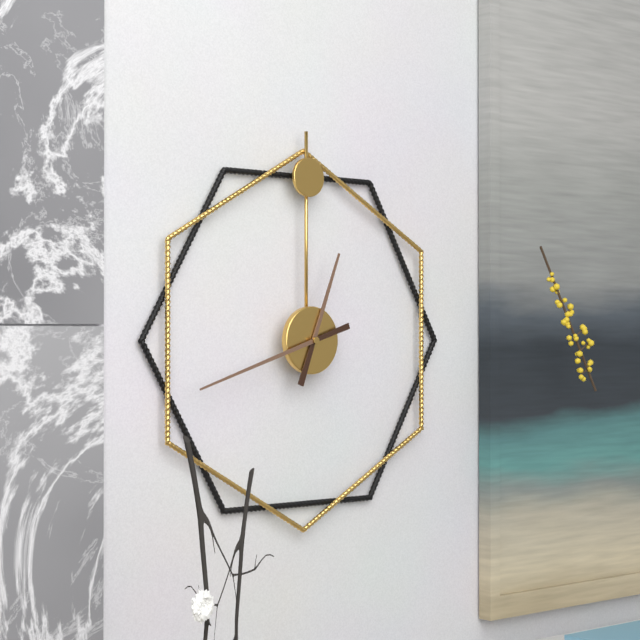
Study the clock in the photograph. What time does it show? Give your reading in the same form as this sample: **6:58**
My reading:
**12:42**
